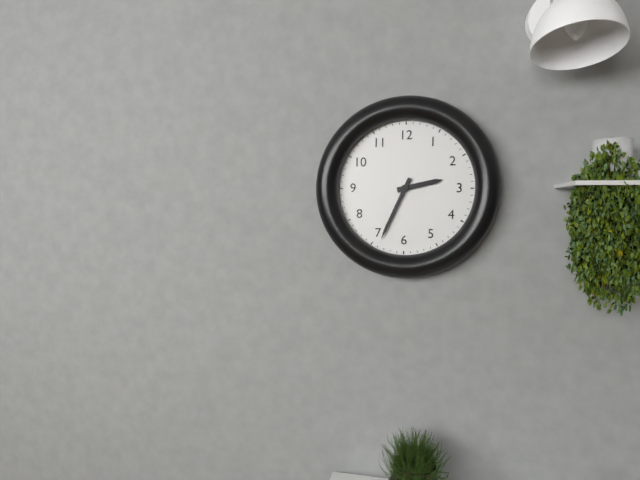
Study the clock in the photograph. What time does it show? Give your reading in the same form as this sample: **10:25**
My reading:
**2:34**
